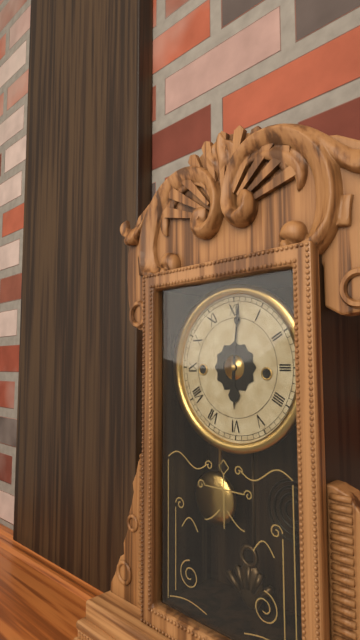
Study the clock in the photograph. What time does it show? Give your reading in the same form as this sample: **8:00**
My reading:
**6:01**
